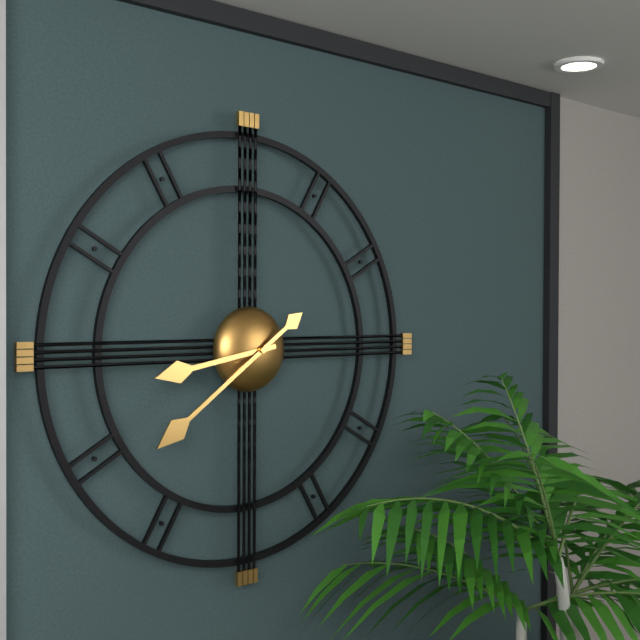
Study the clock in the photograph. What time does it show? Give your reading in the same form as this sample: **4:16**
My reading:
**8:39**
